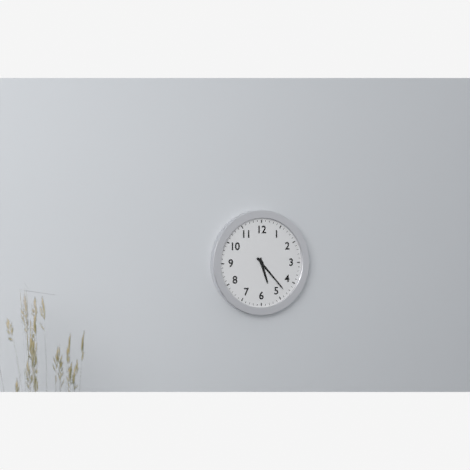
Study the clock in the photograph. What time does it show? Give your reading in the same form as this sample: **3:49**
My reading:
**5:23**
